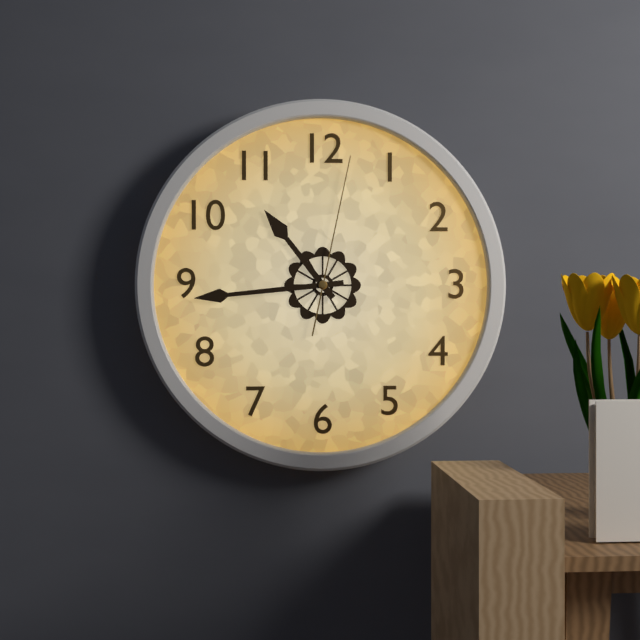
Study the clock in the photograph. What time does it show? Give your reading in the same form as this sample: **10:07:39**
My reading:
**10:44:02**
